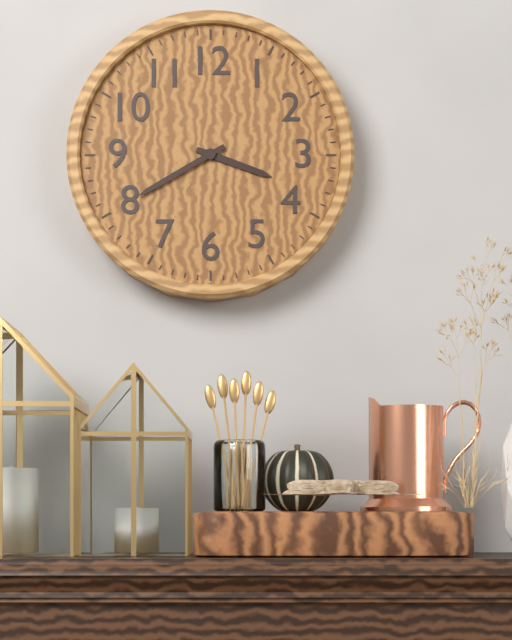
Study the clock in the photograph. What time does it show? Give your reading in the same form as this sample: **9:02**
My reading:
**3:40**
